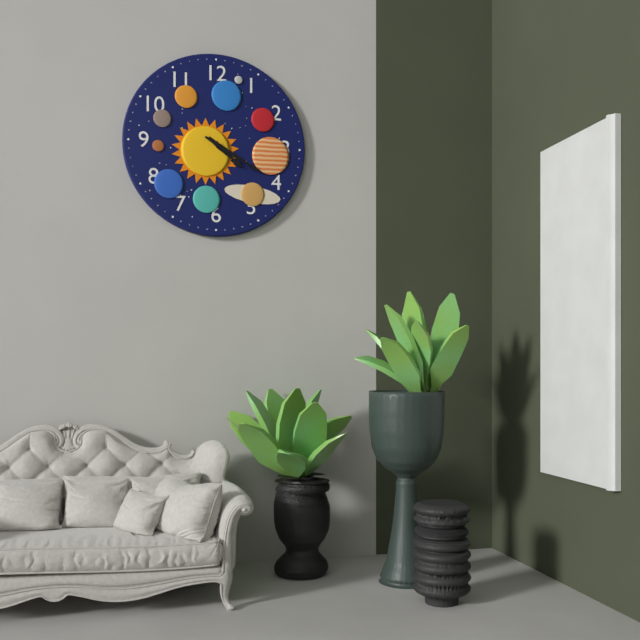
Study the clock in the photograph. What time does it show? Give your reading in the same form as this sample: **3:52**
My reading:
**4:20**
